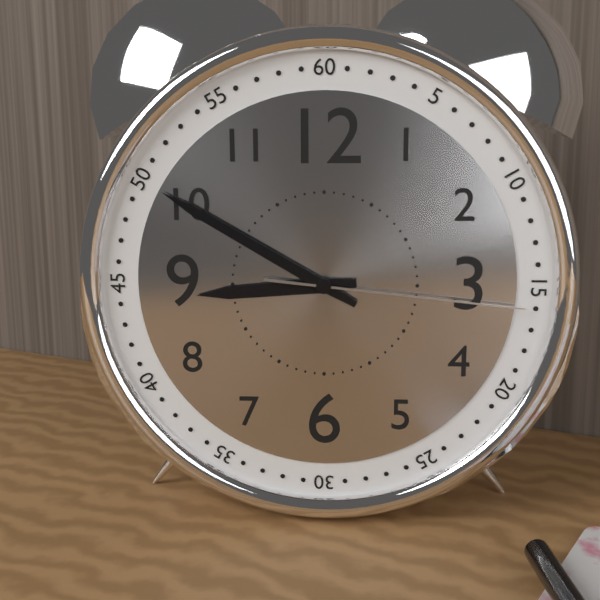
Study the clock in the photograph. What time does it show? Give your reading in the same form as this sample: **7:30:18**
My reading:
**8:50:16**
